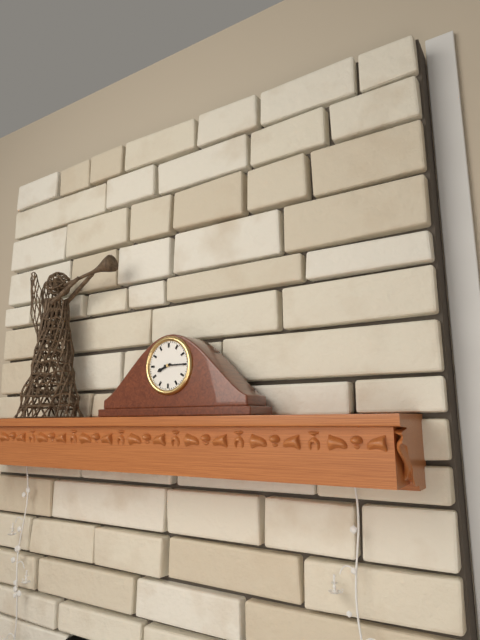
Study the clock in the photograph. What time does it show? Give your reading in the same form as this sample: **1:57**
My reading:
**8:15**
